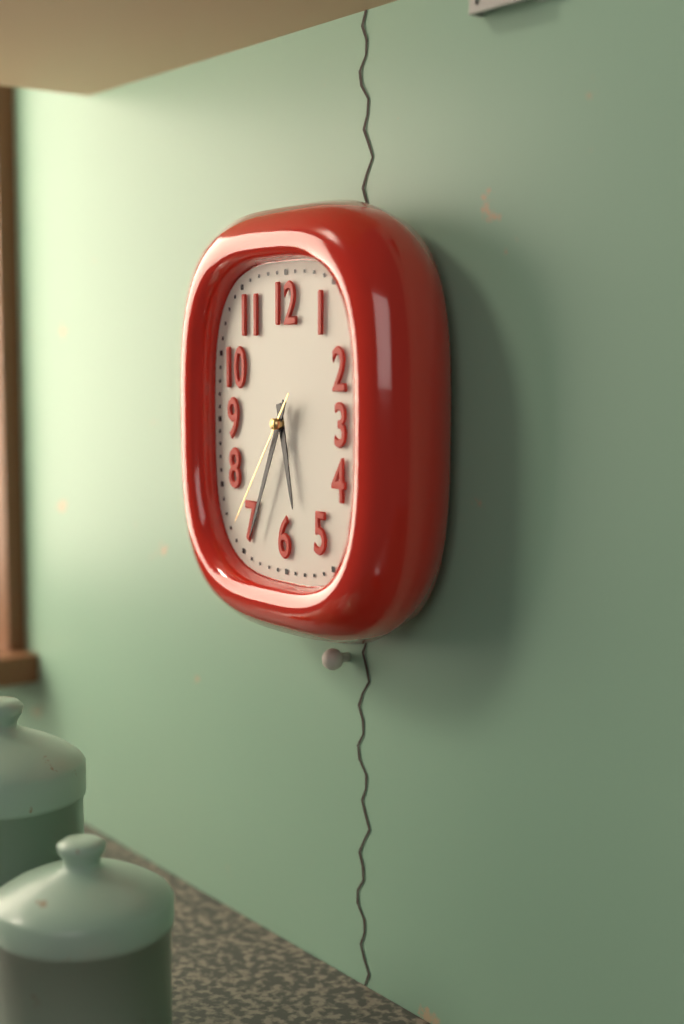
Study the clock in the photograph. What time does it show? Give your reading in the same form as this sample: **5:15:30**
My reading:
**5:34:36**
